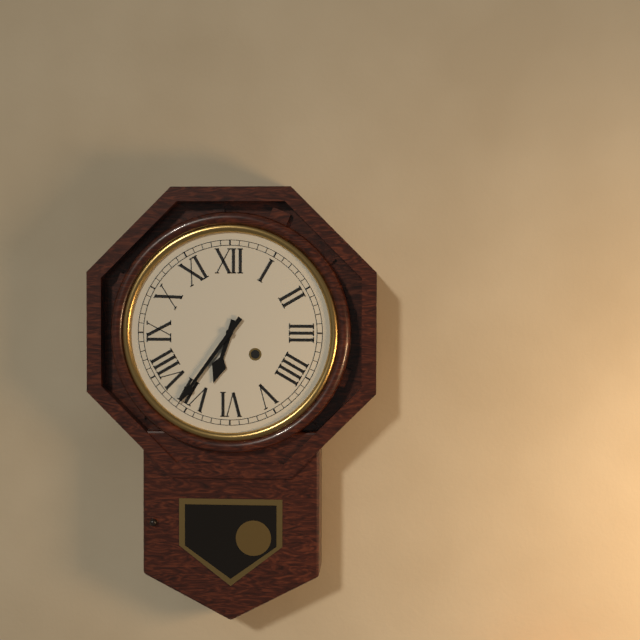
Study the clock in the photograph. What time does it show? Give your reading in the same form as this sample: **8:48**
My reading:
**6:36**
